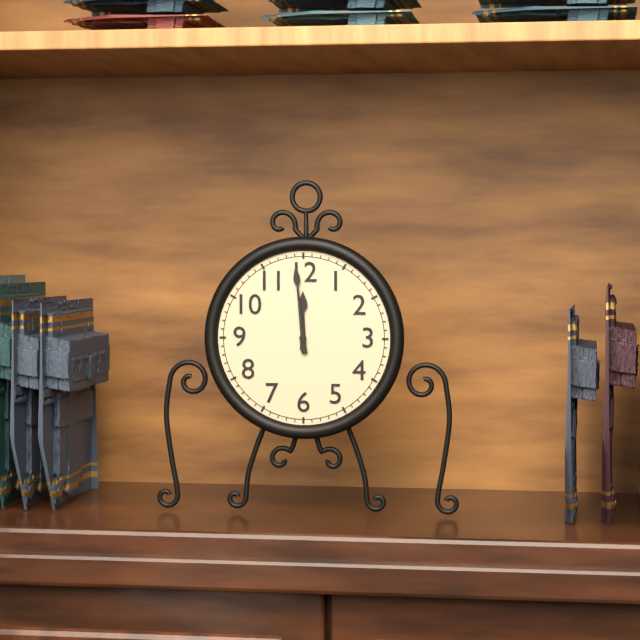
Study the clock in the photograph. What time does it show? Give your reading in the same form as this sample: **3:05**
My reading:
**11:59**
